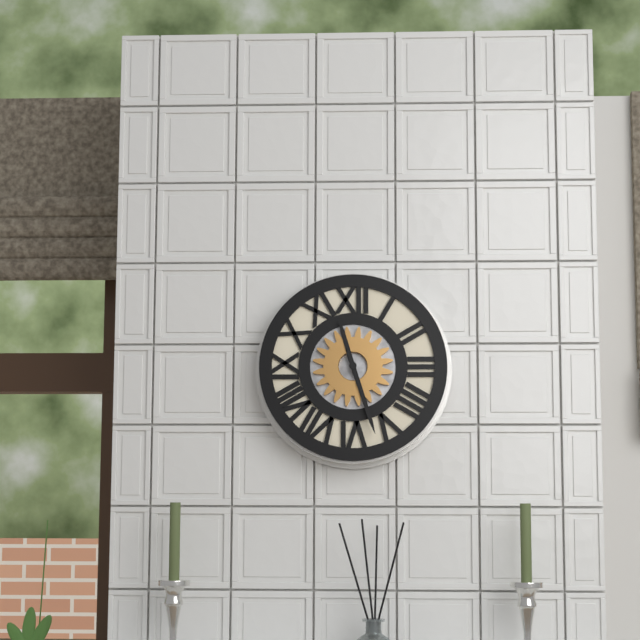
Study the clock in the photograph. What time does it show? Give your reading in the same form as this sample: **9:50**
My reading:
**11:27**
